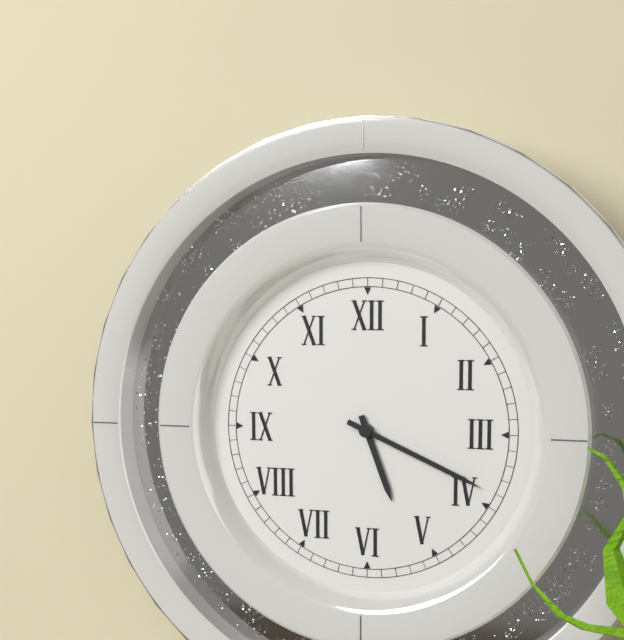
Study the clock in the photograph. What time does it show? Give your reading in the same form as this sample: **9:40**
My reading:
**5:19**
